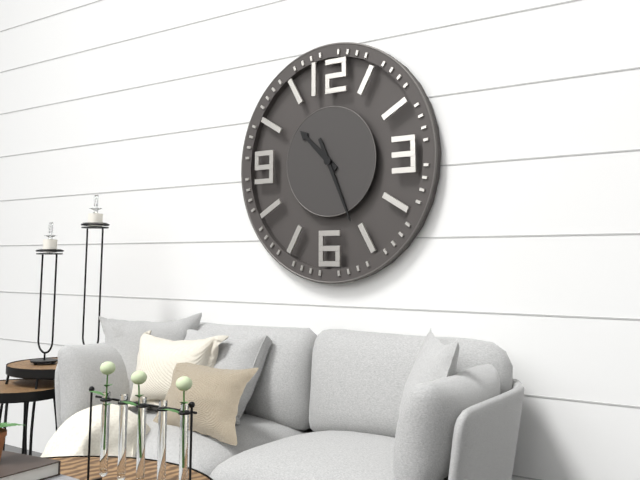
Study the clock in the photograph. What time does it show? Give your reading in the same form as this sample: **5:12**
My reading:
**10:26**
